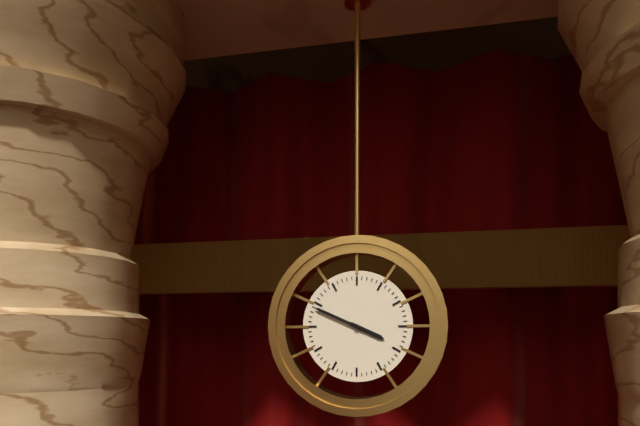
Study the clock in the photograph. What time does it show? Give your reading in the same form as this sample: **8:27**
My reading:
**3:49**
